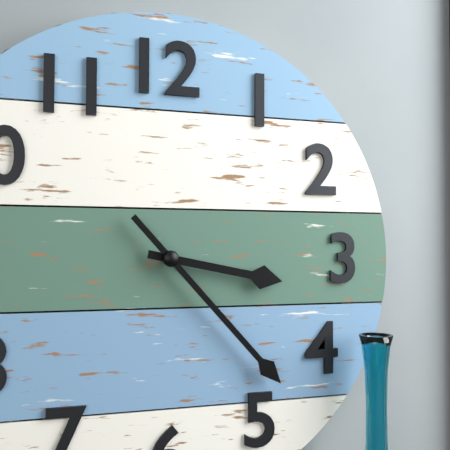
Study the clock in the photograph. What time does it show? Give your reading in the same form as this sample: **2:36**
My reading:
**3:23**
